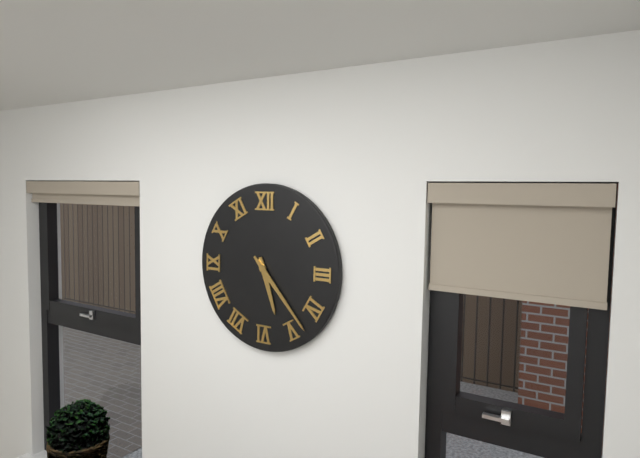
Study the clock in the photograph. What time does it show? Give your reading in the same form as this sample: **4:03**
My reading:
**5:23**
